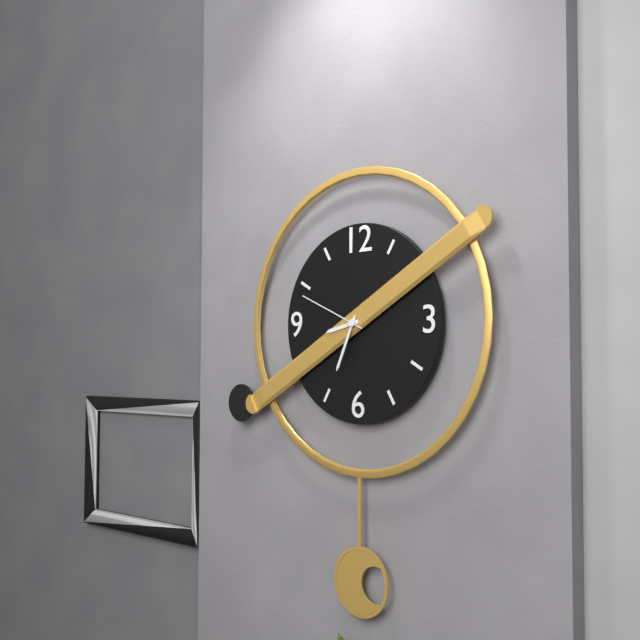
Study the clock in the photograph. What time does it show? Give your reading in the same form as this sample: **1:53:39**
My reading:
**8:34:49**
